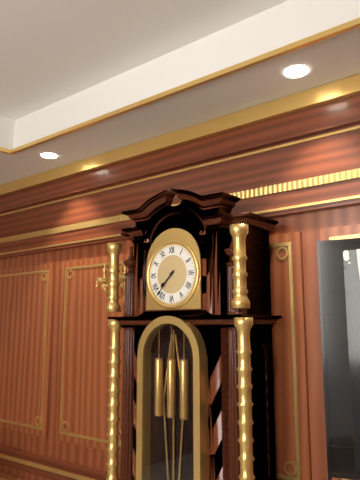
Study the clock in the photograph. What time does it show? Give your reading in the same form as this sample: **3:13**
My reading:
**7:37**
